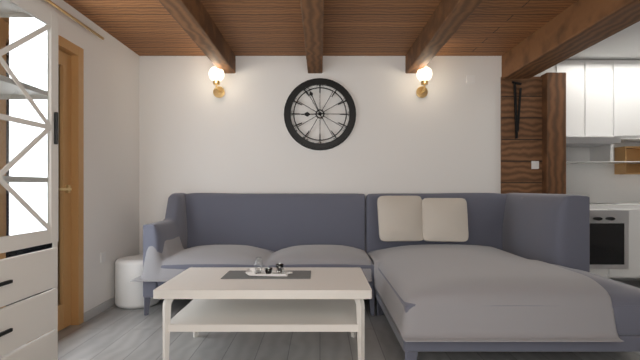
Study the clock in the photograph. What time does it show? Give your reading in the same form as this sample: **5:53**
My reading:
**8:56**
